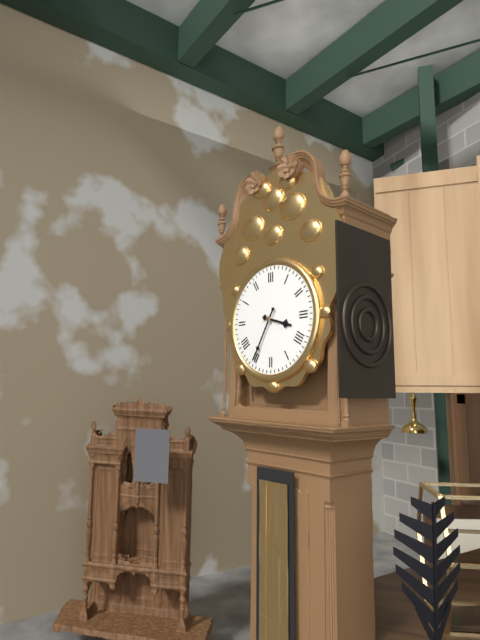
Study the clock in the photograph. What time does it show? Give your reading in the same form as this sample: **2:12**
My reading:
**3:35**
